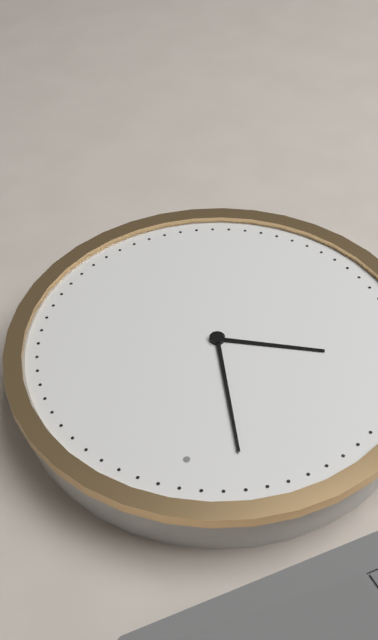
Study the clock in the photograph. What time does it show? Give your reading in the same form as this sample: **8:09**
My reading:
**8:57**
